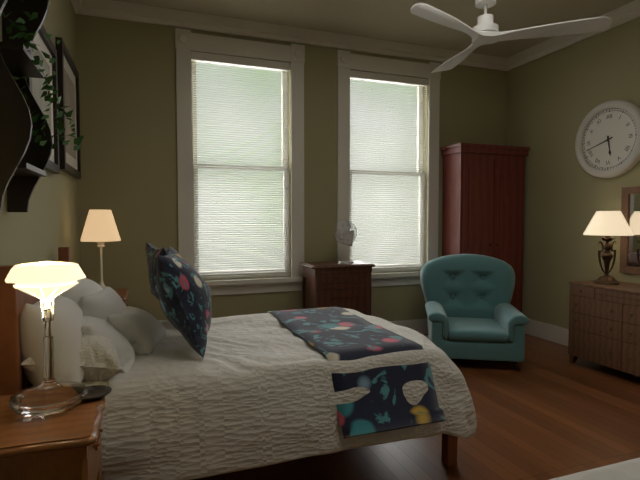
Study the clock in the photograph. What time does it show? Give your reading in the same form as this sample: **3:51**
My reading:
**5:42**
